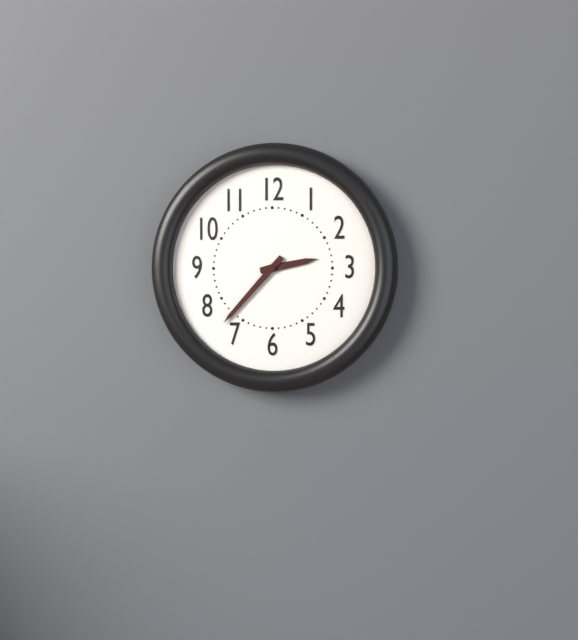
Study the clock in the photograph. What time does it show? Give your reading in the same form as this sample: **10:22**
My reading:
**2:37**
